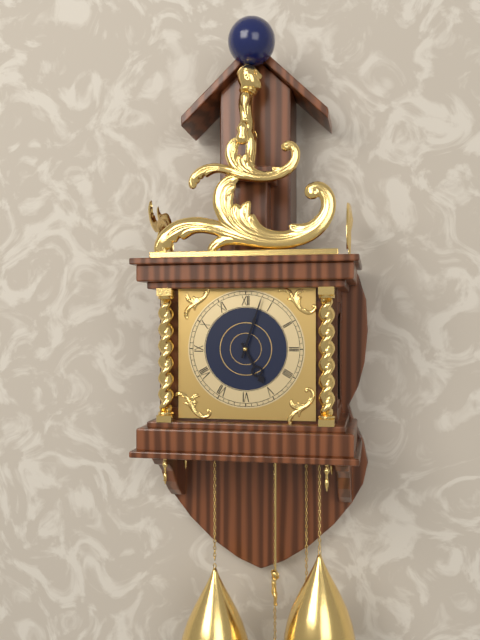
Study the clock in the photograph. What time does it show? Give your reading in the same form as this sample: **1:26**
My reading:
**5:03**
